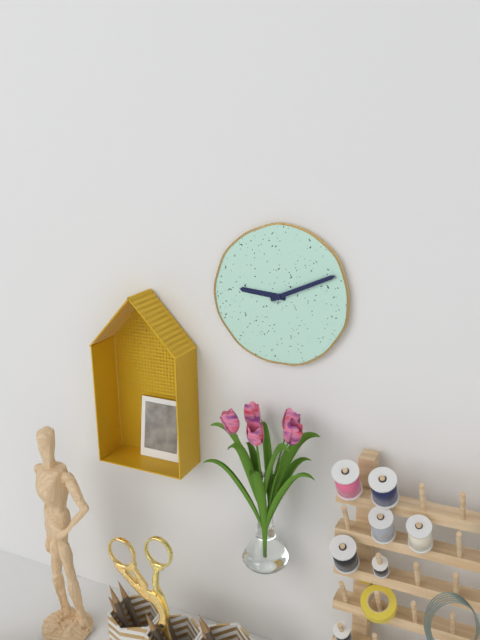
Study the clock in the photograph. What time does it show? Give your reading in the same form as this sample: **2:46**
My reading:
**9:11**
